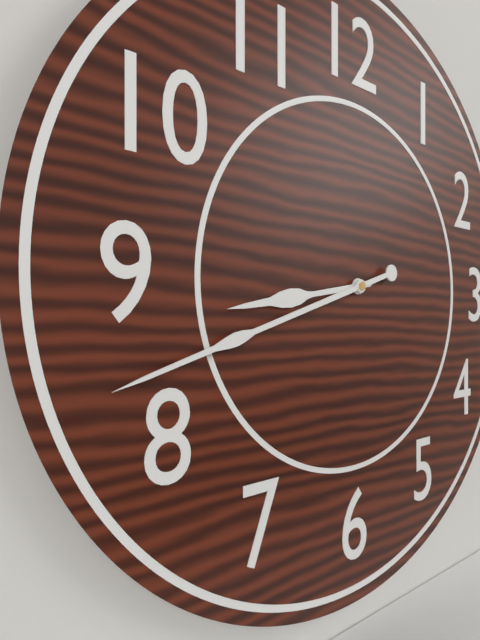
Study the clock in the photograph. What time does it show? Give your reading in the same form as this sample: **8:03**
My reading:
**8:42**
